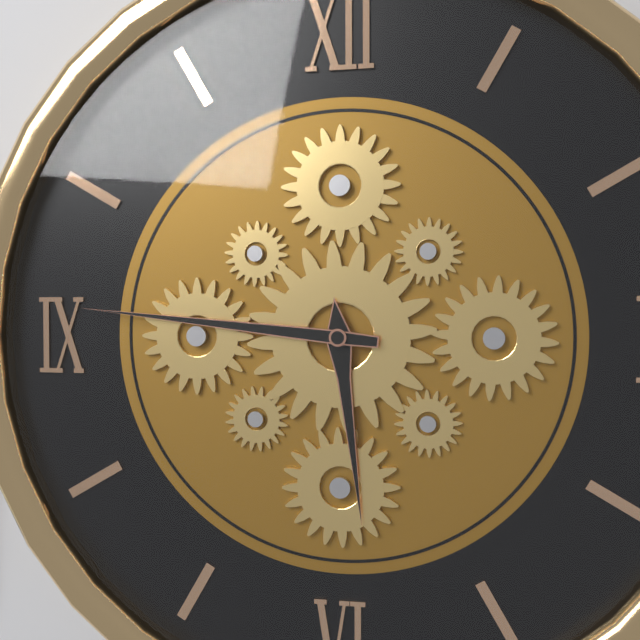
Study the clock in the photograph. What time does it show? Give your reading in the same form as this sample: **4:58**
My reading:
**5:46**
